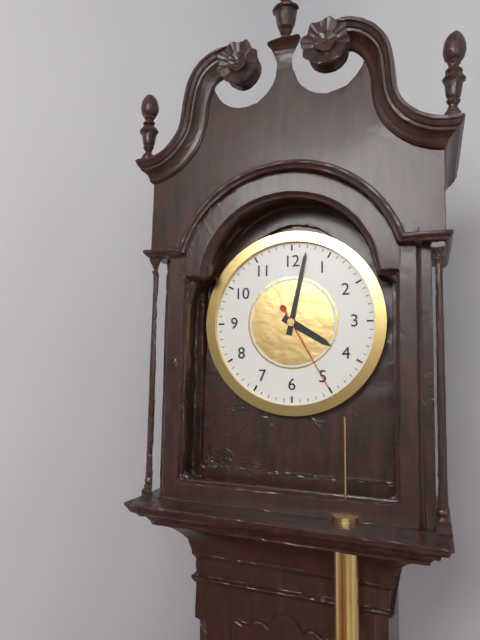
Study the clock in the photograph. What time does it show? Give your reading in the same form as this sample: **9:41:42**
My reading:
**4:02:25**
